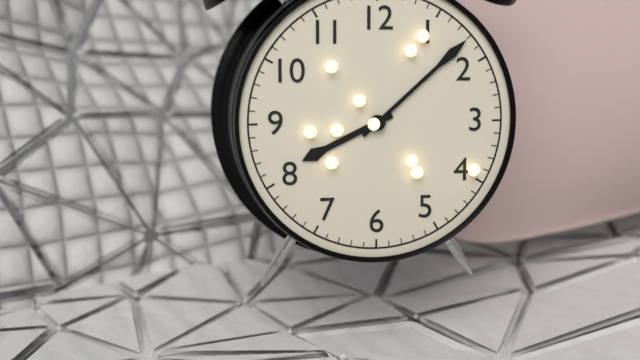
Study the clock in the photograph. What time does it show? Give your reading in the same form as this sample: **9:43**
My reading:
**8:08**
